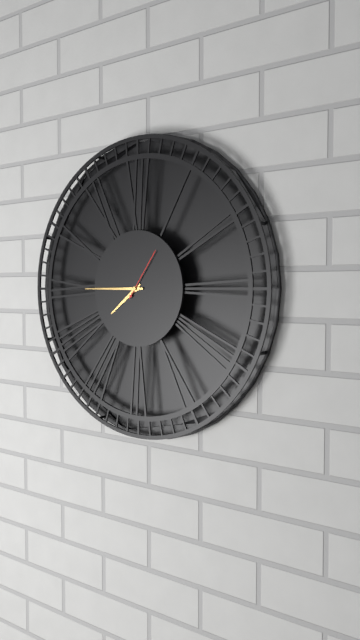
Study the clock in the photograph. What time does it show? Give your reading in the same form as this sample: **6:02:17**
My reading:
**7:45:06**
